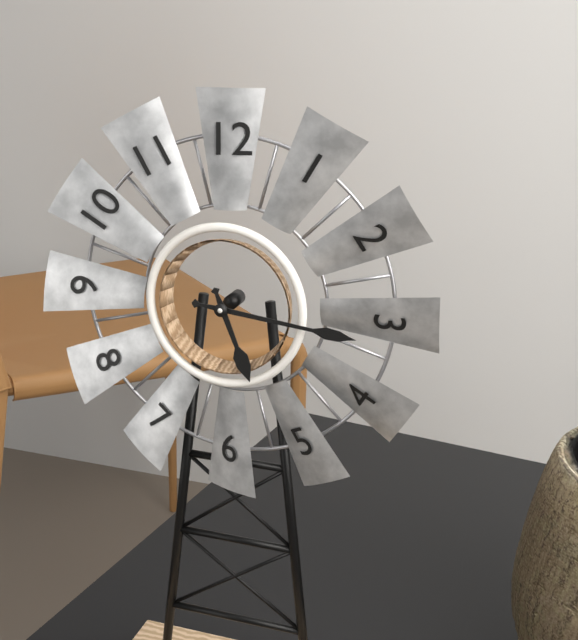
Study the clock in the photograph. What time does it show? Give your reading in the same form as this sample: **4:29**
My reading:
**5:16**
